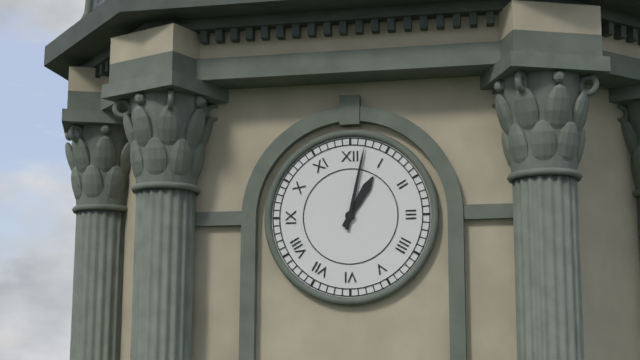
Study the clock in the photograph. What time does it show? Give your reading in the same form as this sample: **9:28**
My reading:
**1:02**
